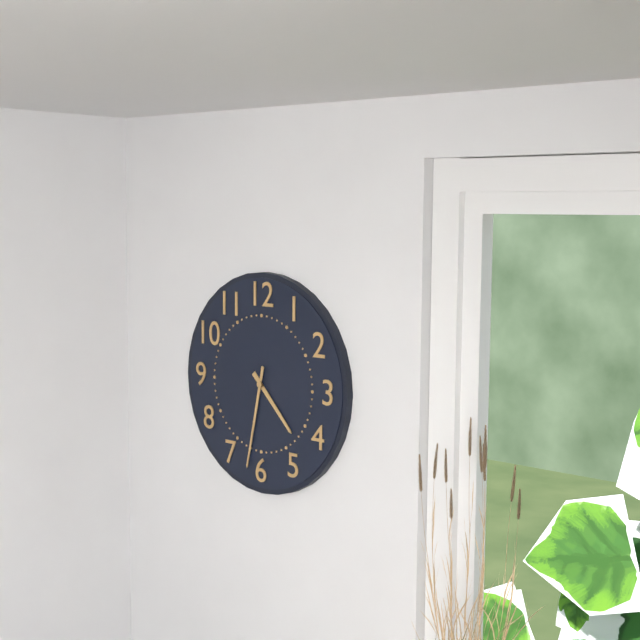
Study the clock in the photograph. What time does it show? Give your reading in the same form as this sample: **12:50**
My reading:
**4:32**
